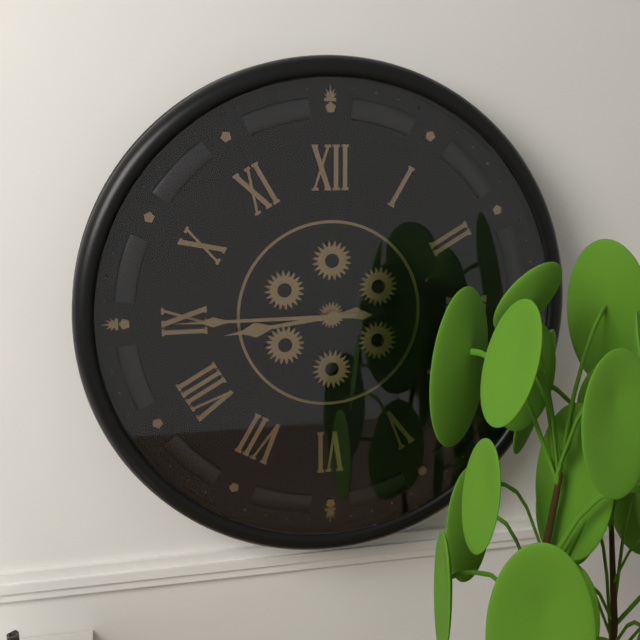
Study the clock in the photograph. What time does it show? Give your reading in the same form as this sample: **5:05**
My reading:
**8:45**
